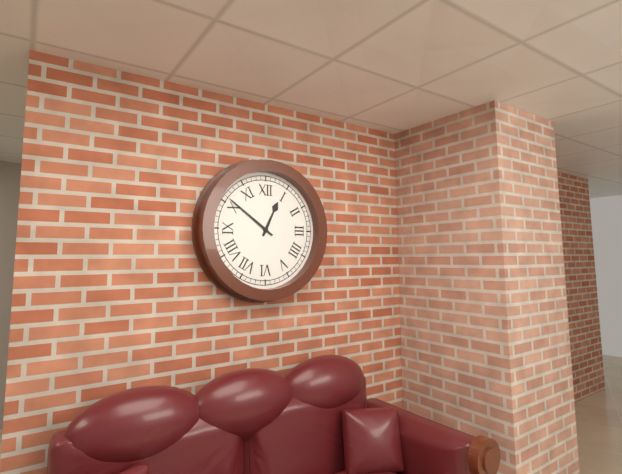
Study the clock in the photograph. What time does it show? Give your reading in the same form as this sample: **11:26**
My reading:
**12:51**
